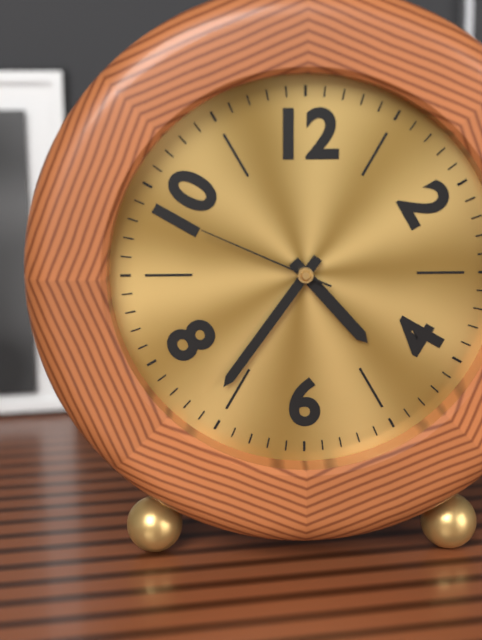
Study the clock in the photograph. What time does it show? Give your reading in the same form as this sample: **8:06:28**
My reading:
**4:36:49**
